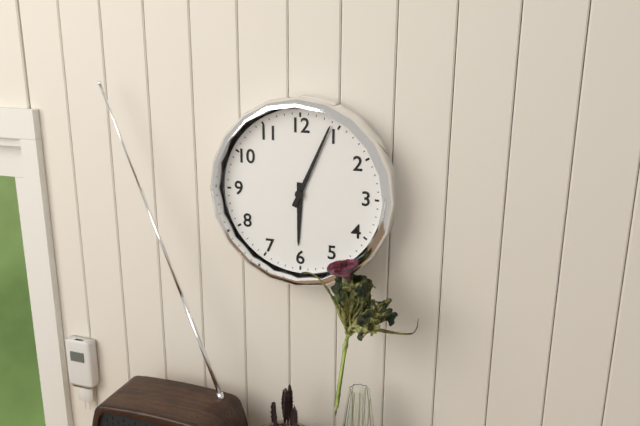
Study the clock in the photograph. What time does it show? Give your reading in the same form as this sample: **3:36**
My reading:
**6:04**
